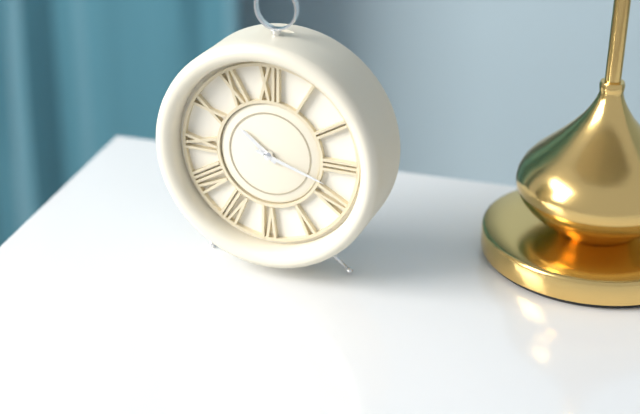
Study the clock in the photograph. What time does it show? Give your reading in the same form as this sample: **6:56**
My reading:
**10:18**
